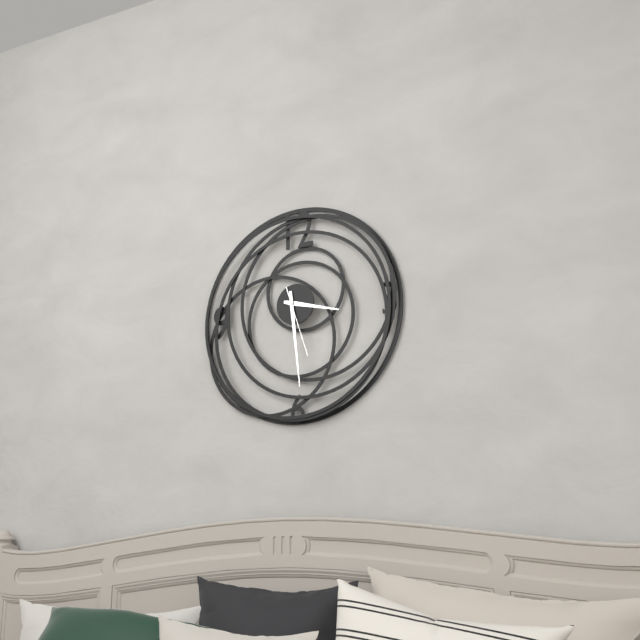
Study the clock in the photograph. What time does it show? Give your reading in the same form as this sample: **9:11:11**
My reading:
**3:29:27**
